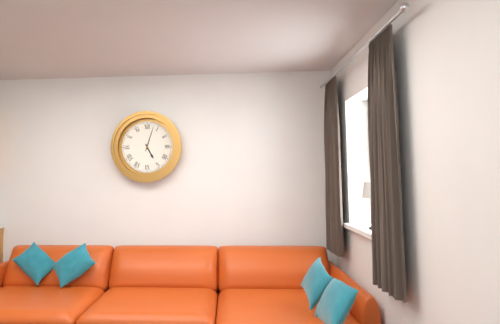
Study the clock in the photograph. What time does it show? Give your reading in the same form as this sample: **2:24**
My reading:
**5:03**
